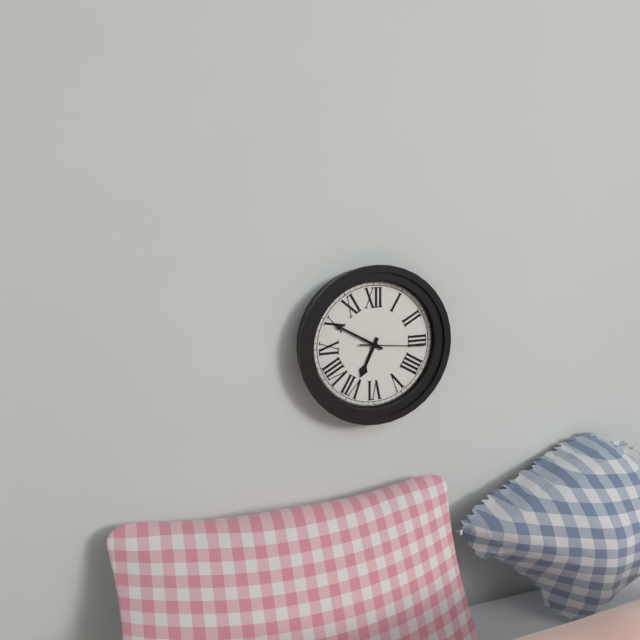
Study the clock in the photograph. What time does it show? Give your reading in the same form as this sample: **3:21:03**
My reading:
**6:50:16**
